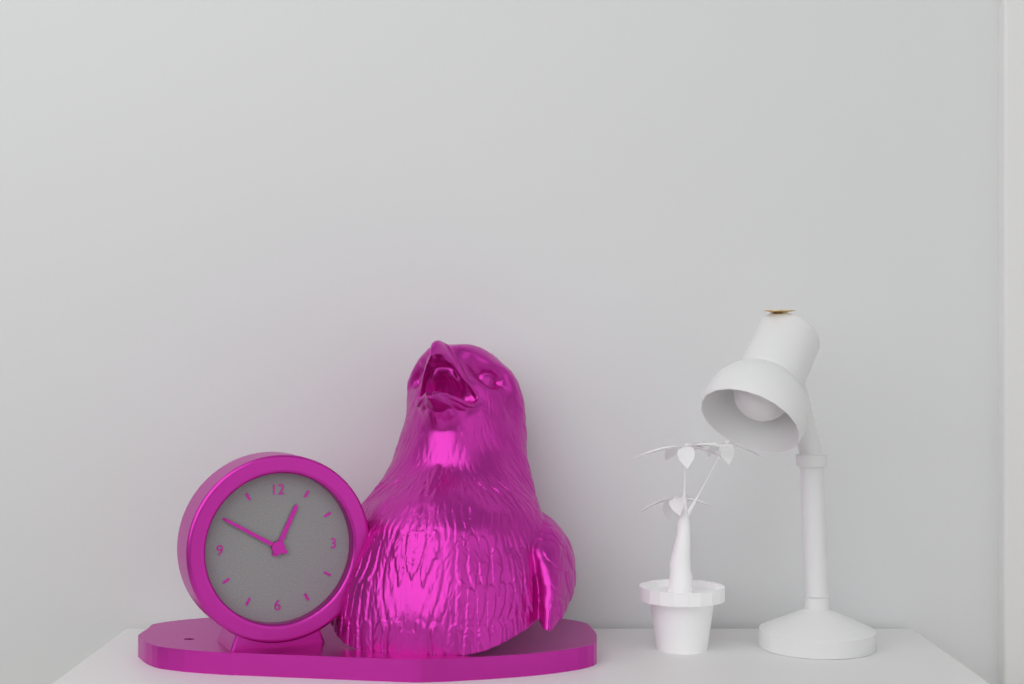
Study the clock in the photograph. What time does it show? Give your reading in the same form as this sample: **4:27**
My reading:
**12:50**
